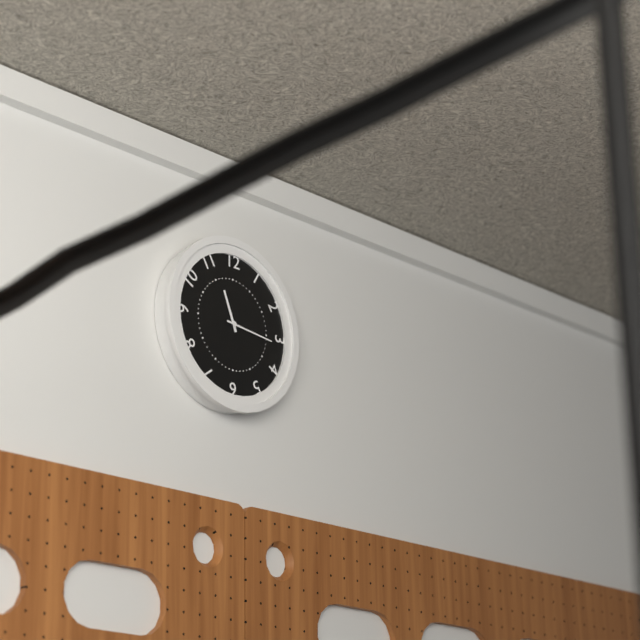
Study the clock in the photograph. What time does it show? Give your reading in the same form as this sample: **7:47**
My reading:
**11:16**
